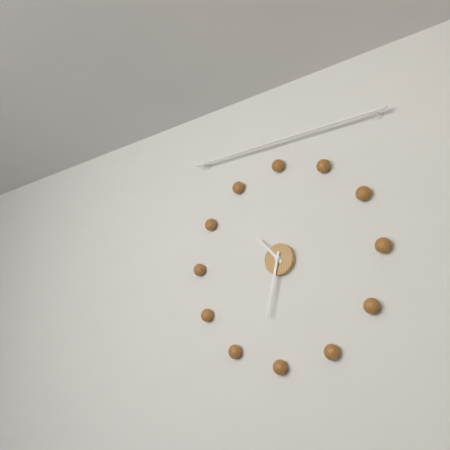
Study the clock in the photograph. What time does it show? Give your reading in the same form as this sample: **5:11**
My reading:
**10:32**
